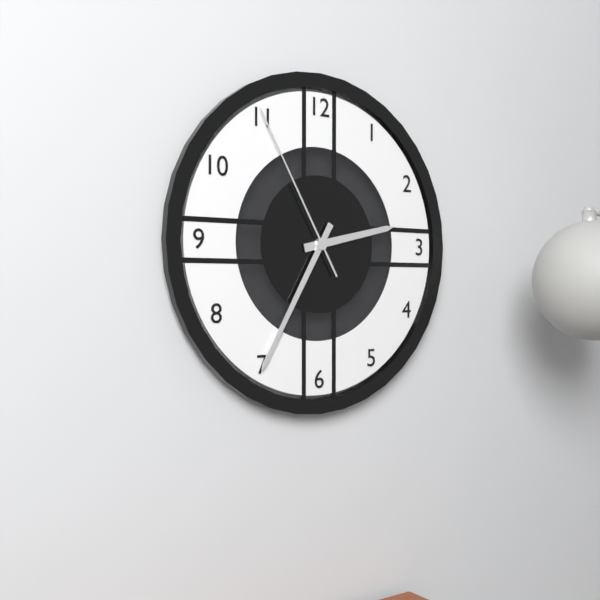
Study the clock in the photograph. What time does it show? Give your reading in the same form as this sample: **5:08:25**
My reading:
**2:35:55**
